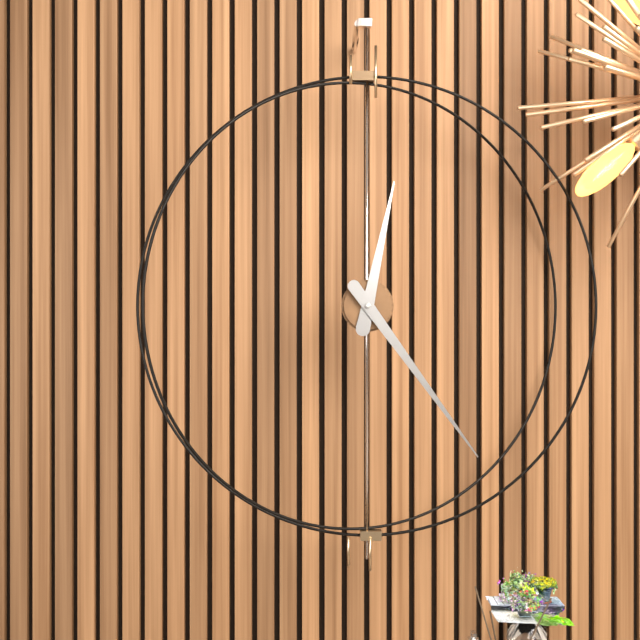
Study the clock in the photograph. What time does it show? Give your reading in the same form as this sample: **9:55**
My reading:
**12:24**
